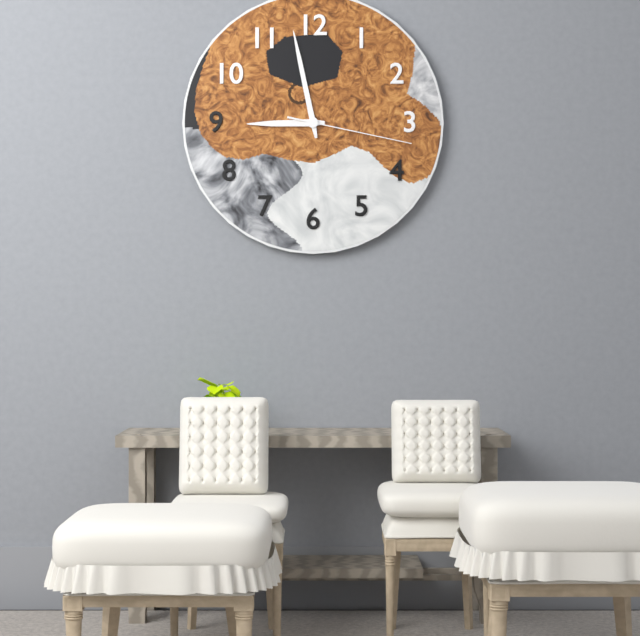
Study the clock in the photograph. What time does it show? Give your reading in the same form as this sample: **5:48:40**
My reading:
**8:58:17**
